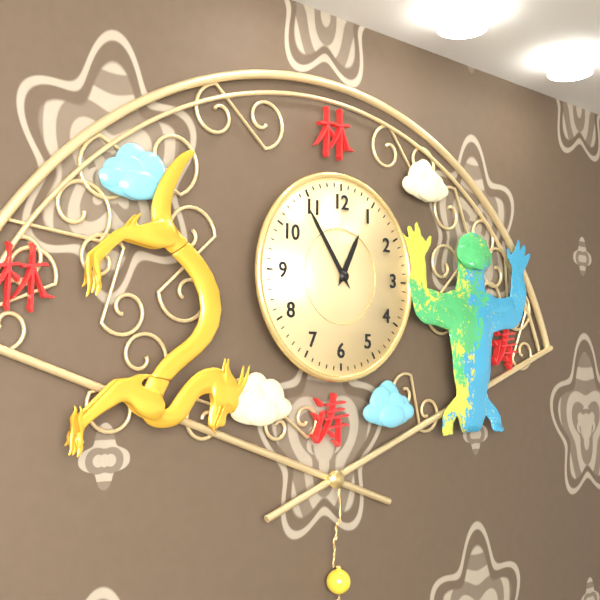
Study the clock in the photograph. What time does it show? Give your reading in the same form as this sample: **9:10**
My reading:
**12:54**
